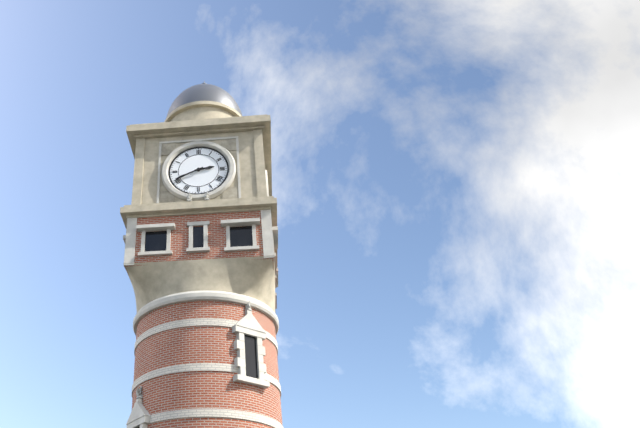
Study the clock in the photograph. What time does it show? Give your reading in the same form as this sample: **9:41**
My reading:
**2:41**
